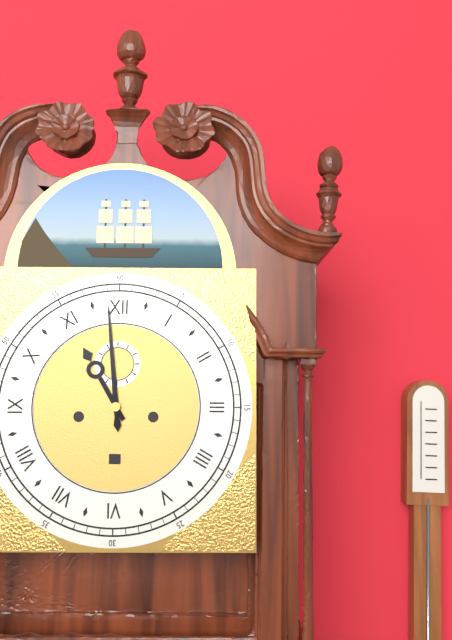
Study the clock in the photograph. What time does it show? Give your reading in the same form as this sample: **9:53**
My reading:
**10:59**
